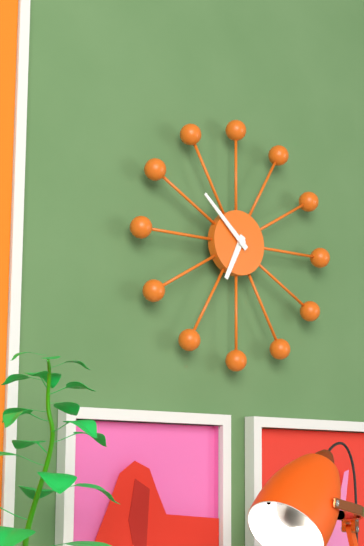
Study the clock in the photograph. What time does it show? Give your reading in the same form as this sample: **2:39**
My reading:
**6:52**
